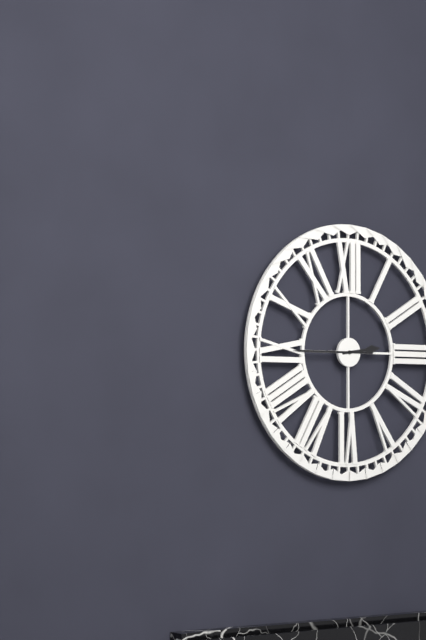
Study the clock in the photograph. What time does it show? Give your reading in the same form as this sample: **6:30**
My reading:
**2:45**
